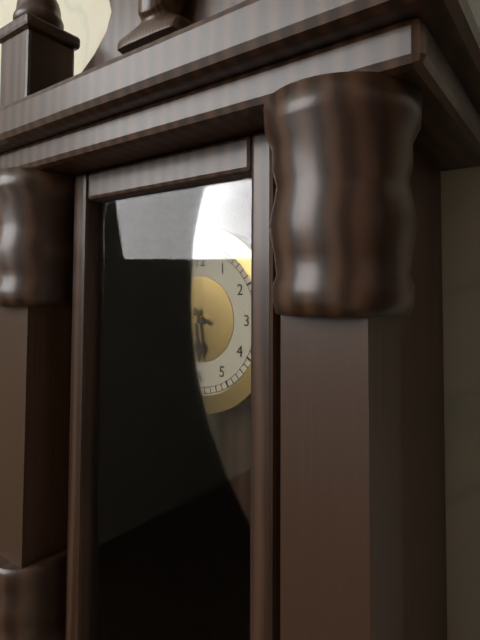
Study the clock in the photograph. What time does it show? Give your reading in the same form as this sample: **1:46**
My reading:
**5:47**
